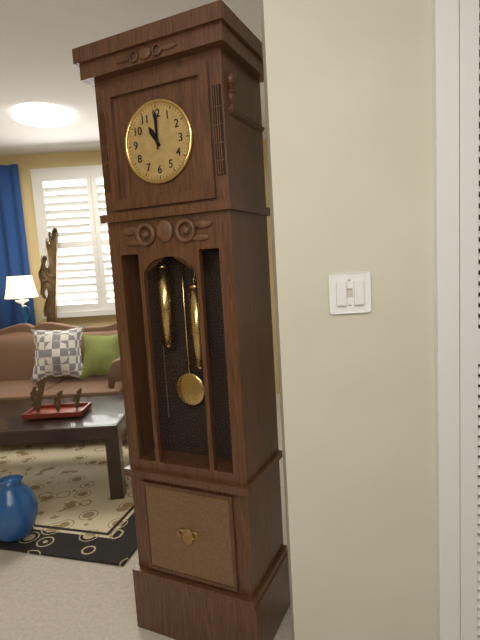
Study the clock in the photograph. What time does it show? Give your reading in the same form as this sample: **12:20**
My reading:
**11:00**
